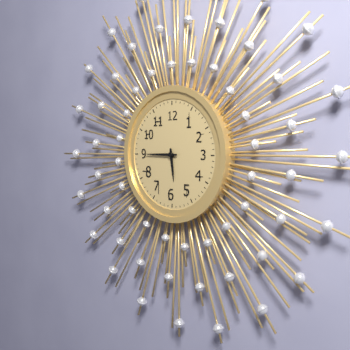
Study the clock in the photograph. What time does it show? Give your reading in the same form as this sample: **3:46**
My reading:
**5:45**
